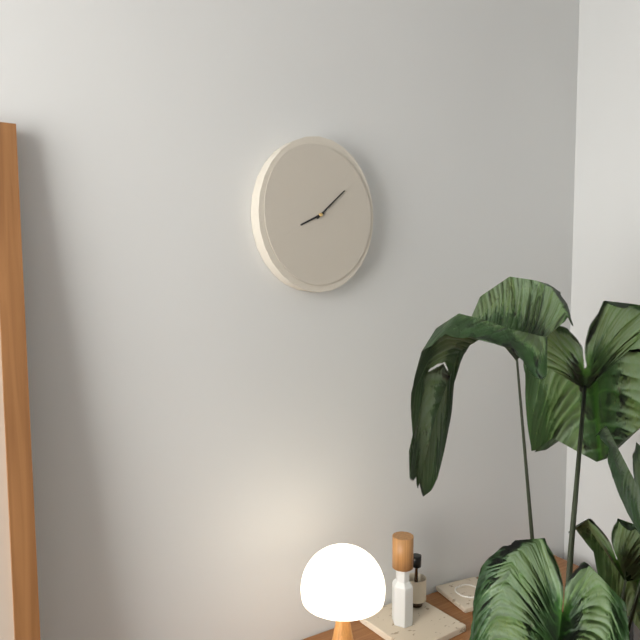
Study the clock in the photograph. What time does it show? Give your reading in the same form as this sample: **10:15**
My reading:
**8:08**
